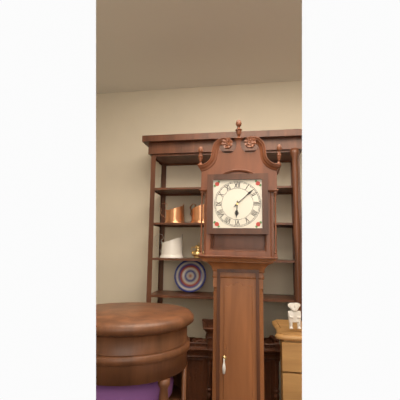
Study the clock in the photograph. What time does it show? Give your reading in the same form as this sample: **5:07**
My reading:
**6:08**
